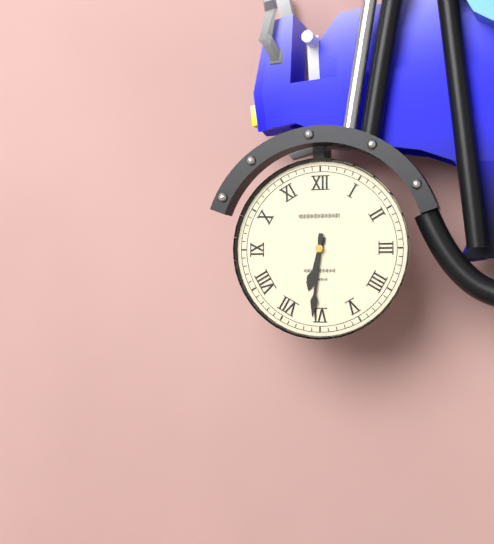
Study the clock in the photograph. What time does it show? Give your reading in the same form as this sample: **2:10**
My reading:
**6:31**
